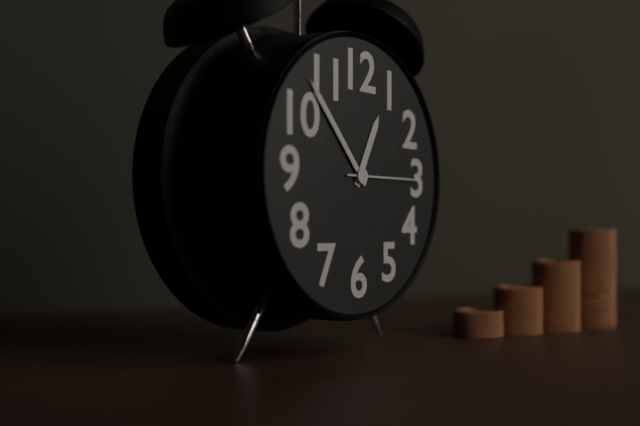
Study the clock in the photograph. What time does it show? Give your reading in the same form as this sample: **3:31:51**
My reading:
**12:53:15**
